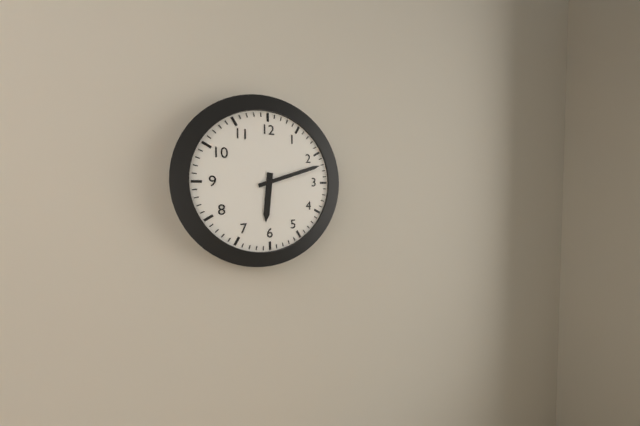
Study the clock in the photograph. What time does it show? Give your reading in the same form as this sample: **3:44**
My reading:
**6:12**
